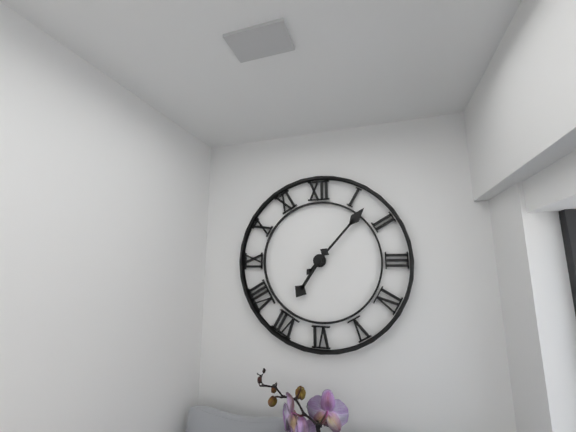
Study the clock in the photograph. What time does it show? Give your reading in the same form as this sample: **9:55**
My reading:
**7:07**
